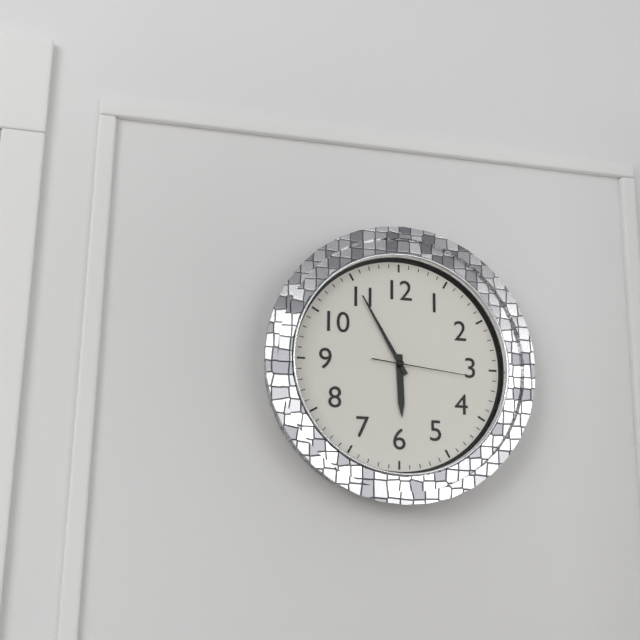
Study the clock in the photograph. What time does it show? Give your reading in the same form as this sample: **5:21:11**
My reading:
**5:55:16**
